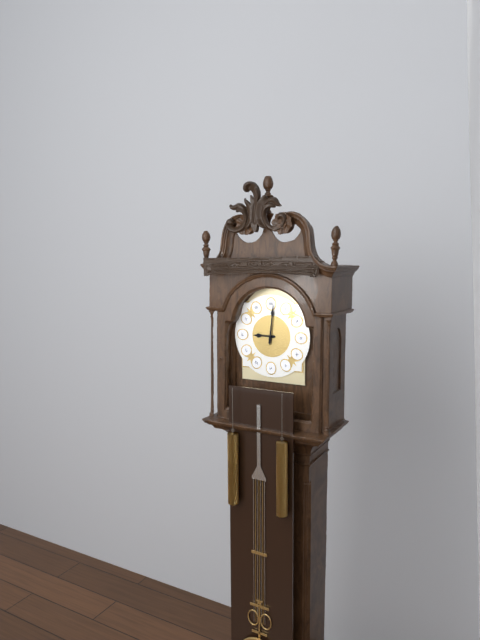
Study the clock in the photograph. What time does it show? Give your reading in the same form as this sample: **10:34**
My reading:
**9:01**
